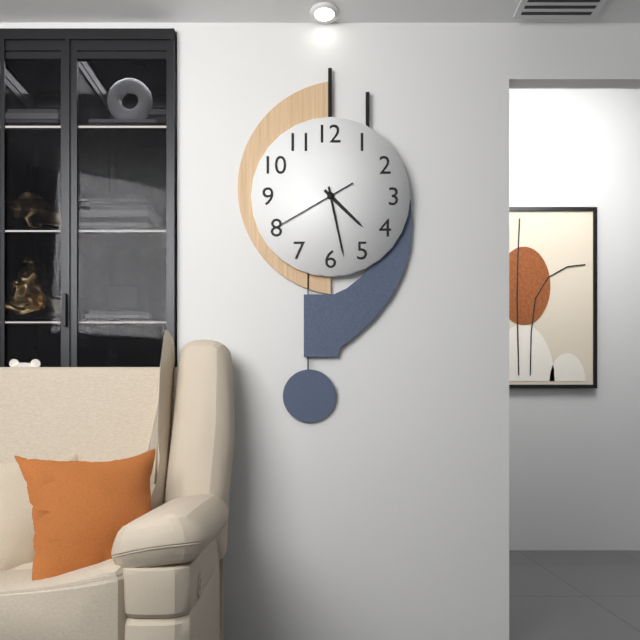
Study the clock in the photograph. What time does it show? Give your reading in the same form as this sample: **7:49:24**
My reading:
**4:28:40**
